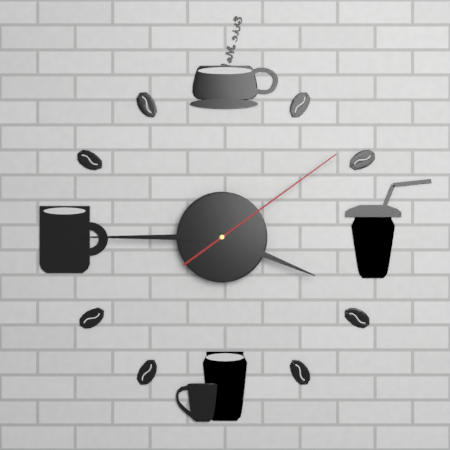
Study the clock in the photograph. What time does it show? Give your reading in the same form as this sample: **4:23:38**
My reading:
**3:45:09**
